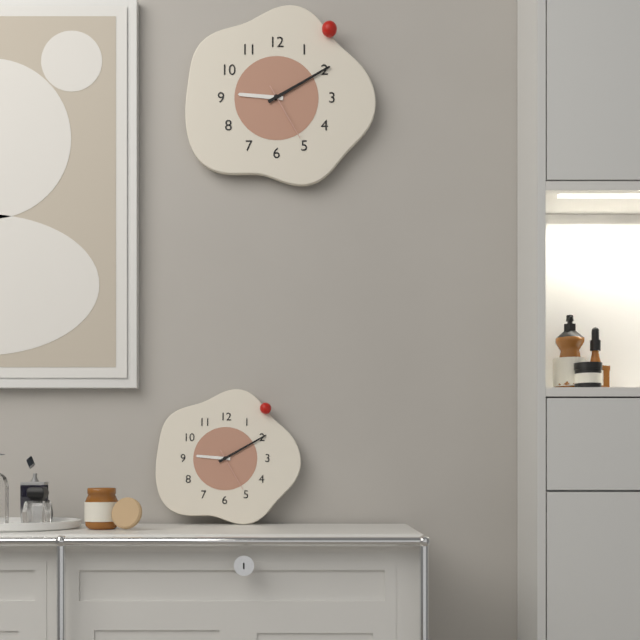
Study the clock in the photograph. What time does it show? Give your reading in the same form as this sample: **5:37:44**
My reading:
**9:10:25**
